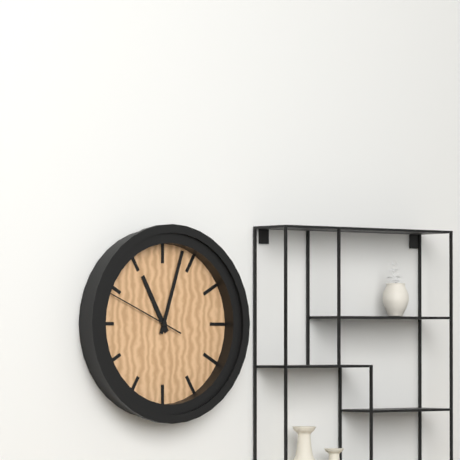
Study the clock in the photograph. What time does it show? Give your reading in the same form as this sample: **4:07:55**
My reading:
**11:03:49**
